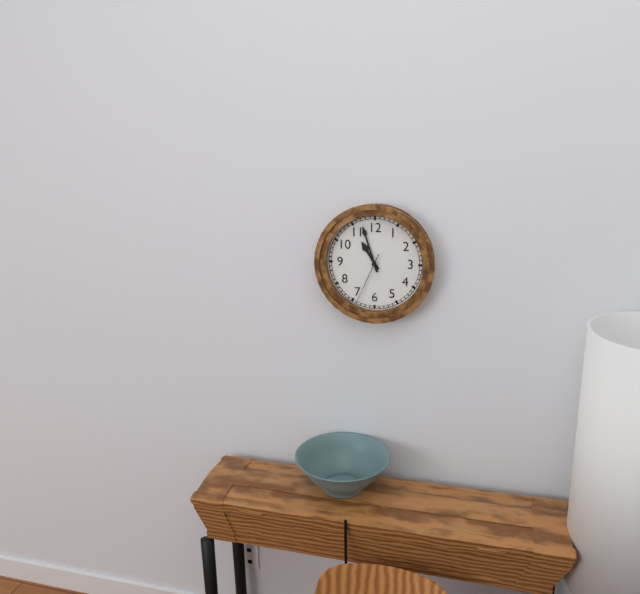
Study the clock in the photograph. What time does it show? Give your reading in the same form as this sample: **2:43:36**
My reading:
**10:57:34**
